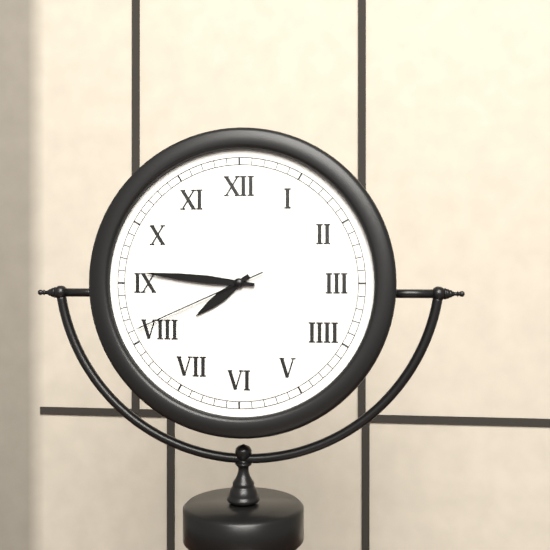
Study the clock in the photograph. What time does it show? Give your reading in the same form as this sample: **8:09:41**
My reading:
**7:46:41**
